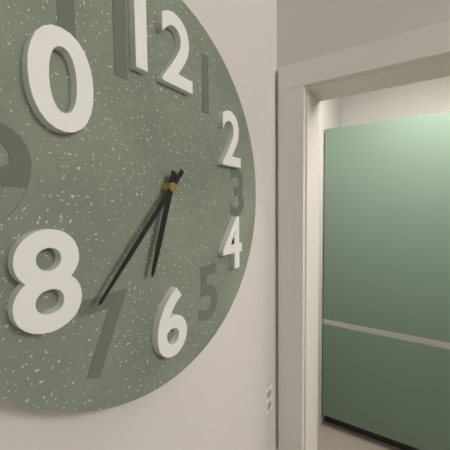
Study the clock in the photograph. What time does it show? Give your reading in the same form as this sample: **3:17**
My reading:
**6:37**
